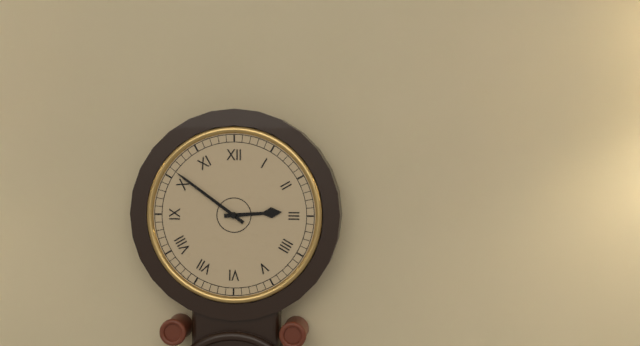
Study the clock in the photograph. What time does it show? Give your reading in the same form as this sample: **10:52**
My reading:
**2:51**
